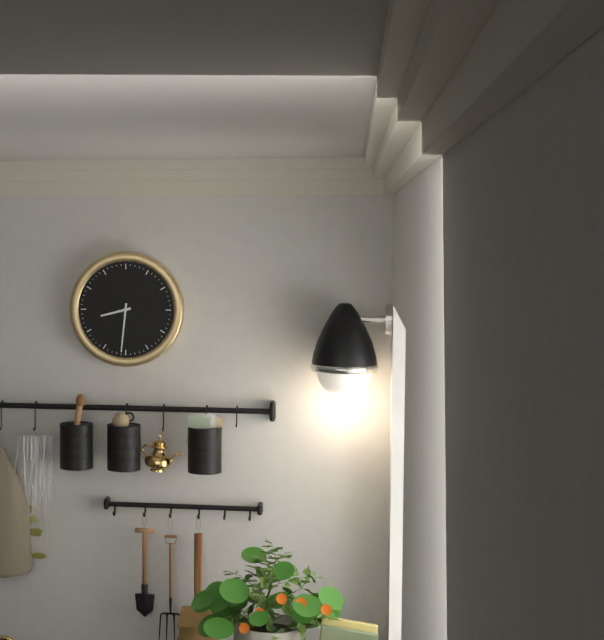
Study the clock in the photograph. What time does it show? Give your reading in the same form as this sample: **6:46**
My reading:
**8:31**
